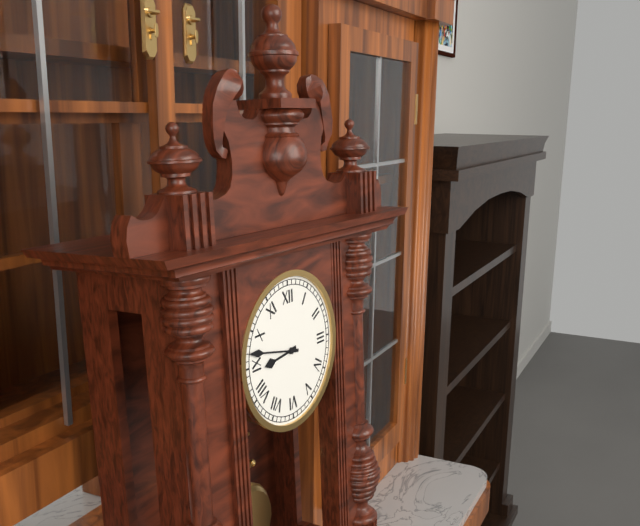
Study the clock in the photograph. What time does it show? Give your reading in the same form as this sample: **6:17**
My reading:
**8:47**
